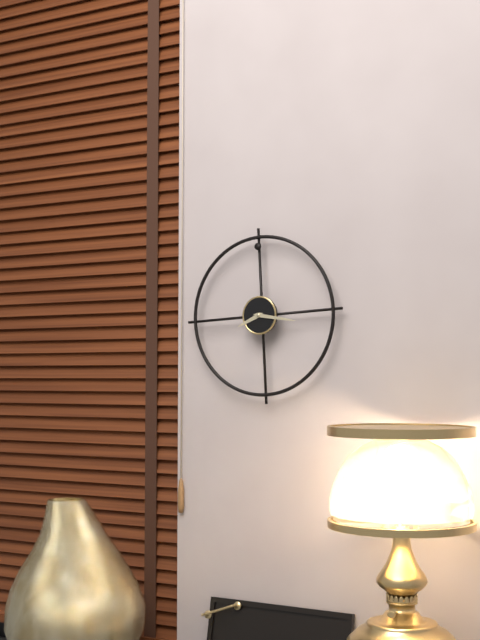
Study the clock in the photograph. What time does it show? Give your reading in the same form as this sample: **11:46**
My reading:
**8:17**
